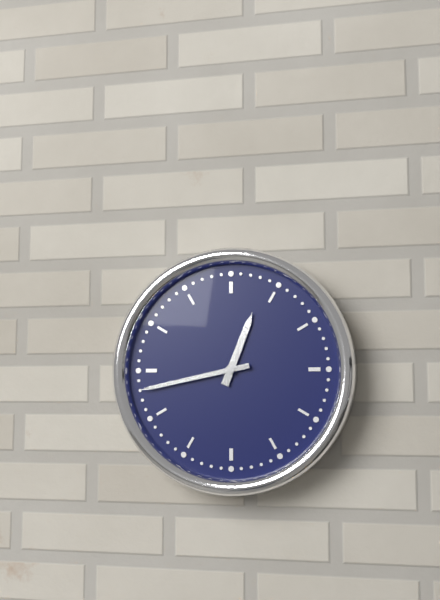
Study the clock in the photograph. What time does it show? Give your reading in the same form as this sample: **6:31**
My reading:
**12:43**
